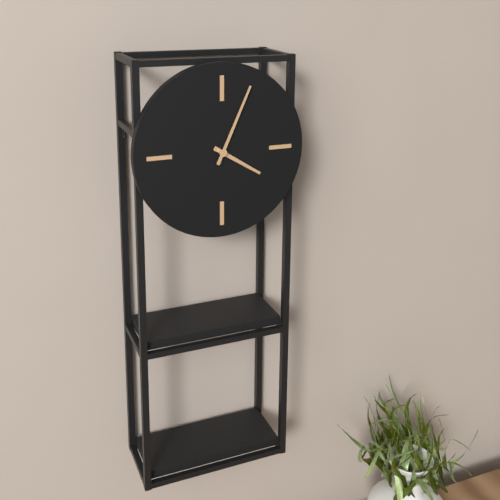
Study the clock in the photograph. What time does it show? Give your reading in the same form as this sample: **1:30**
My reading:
**4:04**
